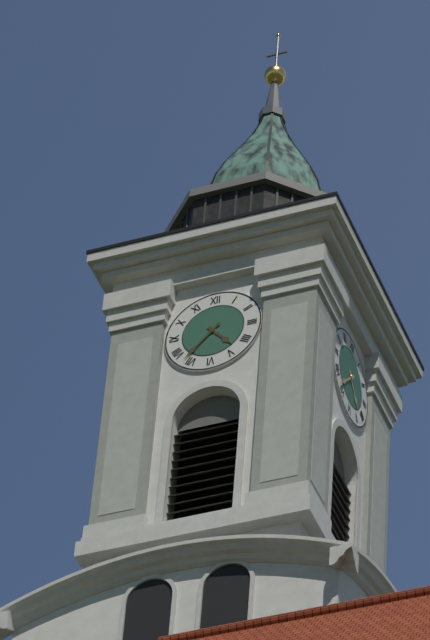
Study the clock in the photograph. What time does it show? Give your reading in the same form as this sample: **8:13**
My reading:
**4:37**
